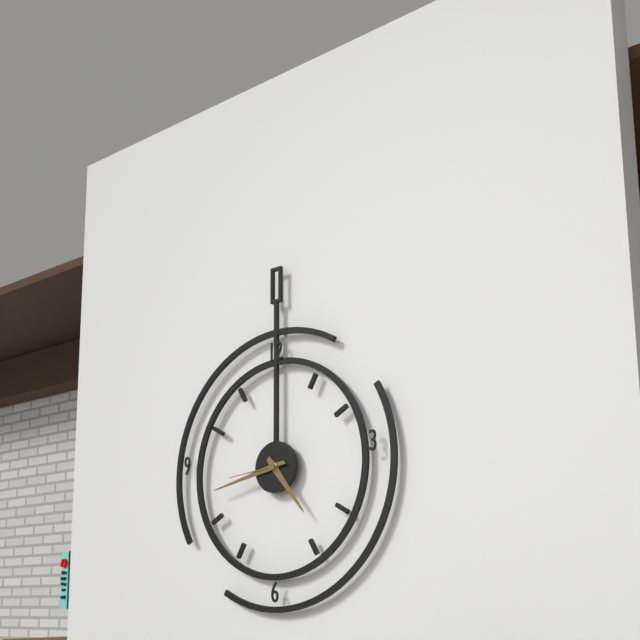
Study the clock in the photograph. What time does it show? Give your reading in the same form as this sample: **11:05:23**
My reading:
**4:43:44**
